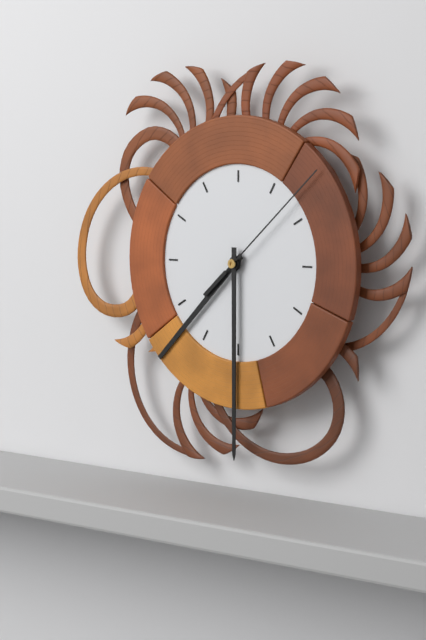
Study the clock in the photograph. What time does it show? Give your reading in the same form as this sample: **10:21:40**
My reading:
**7:30:08**
